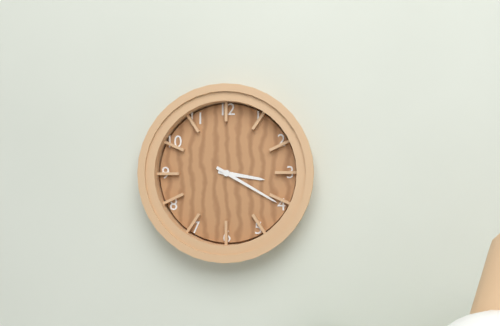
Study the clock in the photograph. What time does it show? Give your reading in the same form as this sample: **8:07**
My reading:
**3:20**
